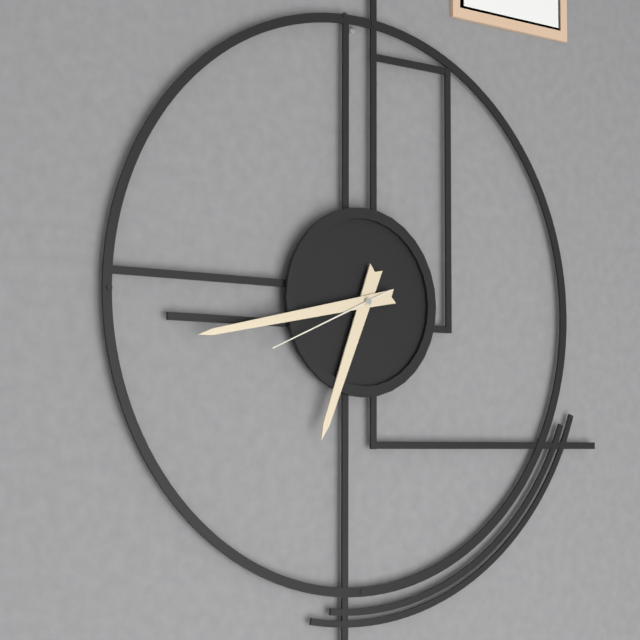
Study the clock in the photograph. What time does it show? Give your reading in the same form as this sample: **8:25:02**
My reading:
**6:43:41**
